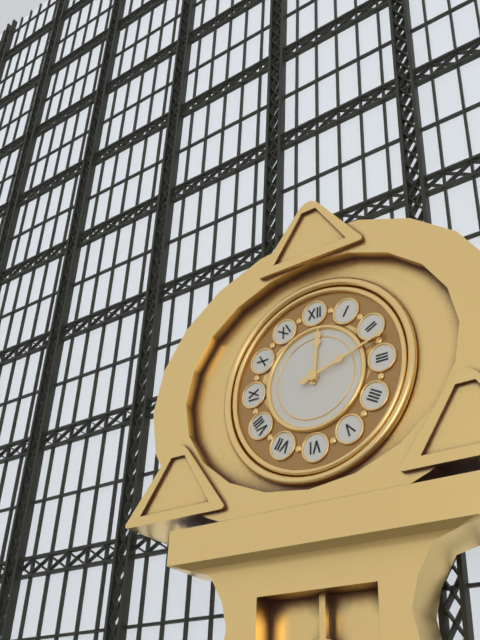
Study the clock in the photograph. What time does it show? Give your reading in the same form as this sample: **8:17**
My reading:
**12:12**
